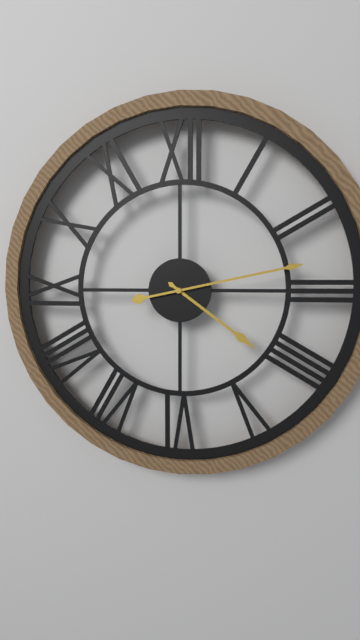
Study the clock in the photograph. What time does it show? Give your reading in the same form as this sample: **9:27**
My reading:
**4:13**
